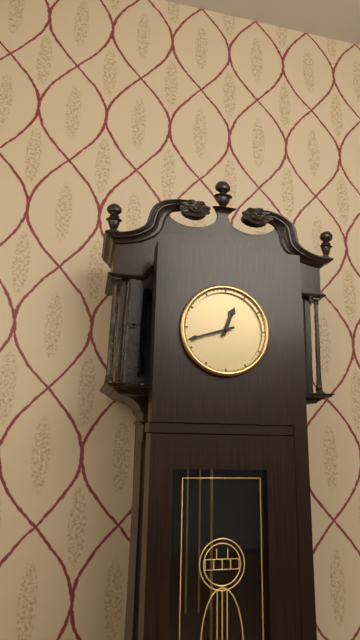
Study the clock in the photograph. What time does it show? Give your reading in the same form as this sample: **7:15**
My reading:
**12:42**
